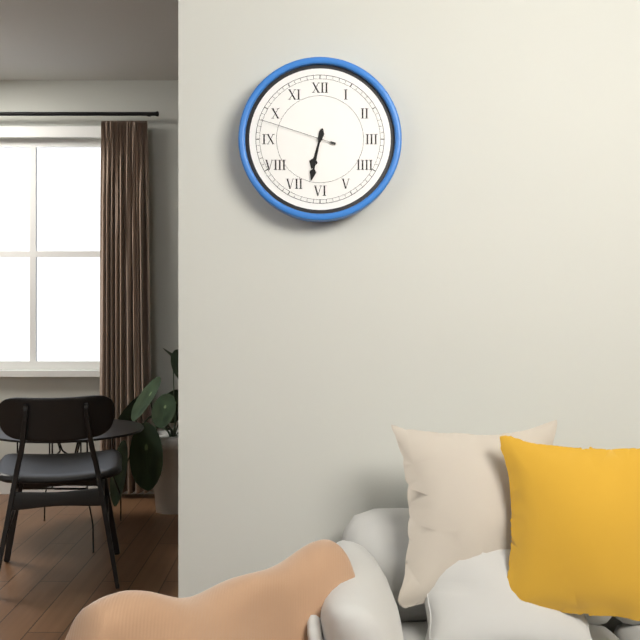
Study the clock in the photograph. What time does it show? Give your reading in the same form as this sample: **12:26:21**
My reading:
**6:32:48**
